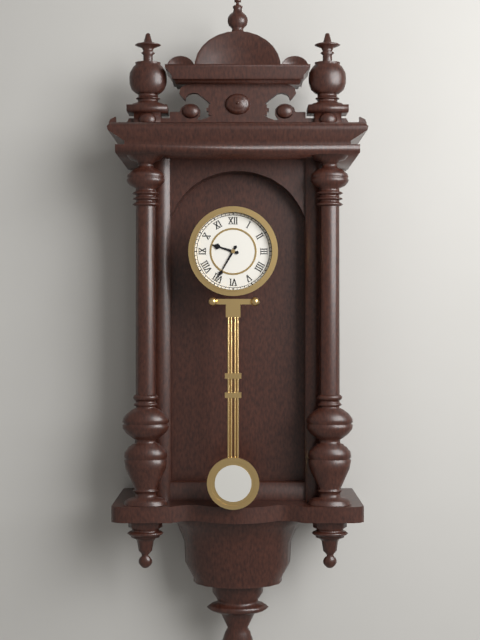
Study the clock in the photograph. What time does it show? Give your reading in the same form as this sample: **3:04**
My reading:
**9:35**
